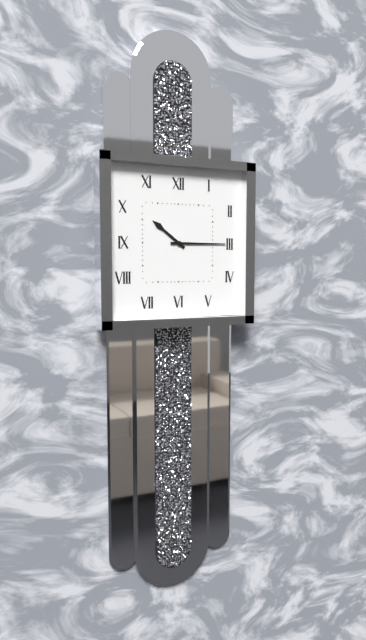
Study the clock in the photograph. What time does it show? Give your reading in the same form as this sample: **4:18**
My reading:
**10:15**
